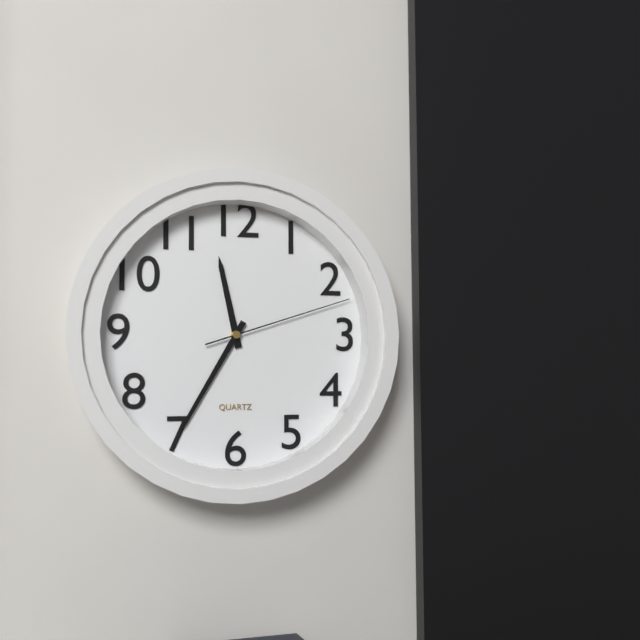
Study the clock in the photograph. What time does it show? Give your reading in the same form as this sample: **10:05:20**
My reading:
**11:35:12**
